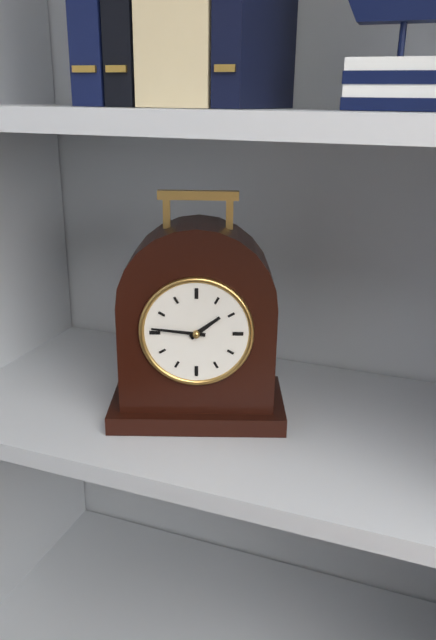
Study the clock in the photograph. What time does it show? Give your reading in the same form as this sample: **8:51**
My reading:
**1:46**
